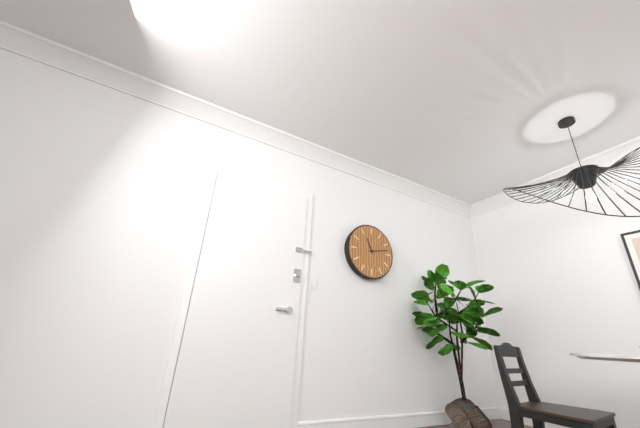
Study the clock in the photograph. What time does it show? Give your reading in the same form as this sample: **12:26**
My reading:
**11:13**
